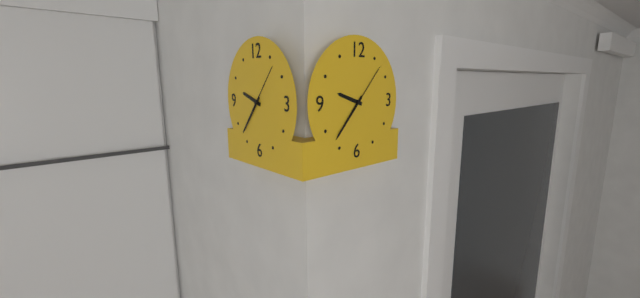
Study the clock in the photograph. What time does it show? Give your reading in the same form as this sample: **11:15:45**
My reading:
**9:37:07**
